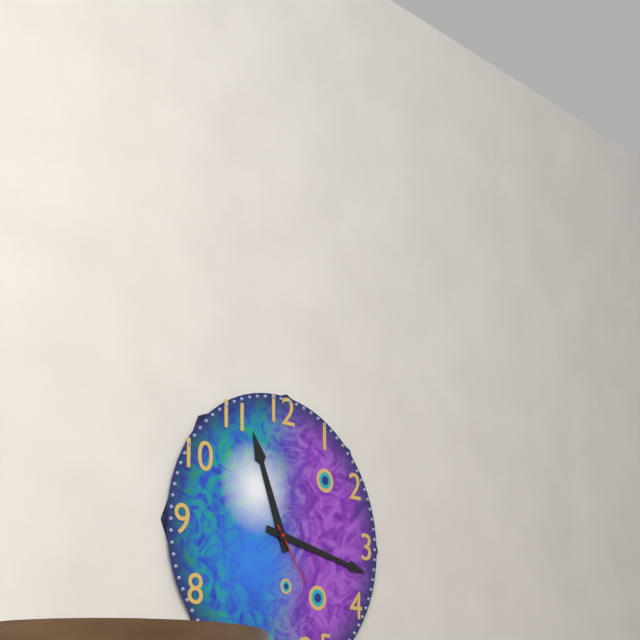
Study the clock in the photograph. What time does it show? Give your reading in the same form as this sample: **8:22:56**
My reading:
**11:17:24**
